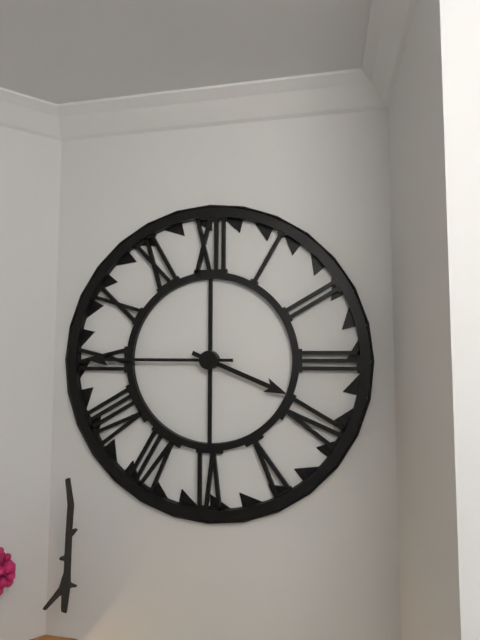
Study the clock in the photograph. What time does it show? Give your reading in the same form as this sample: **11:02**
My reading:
**3:45**
